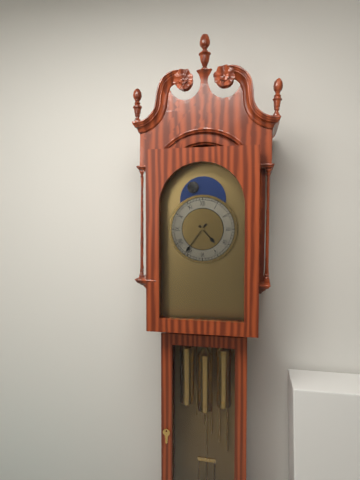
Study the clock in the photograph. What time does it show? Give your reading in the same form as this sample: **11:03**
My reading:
**4:36**
